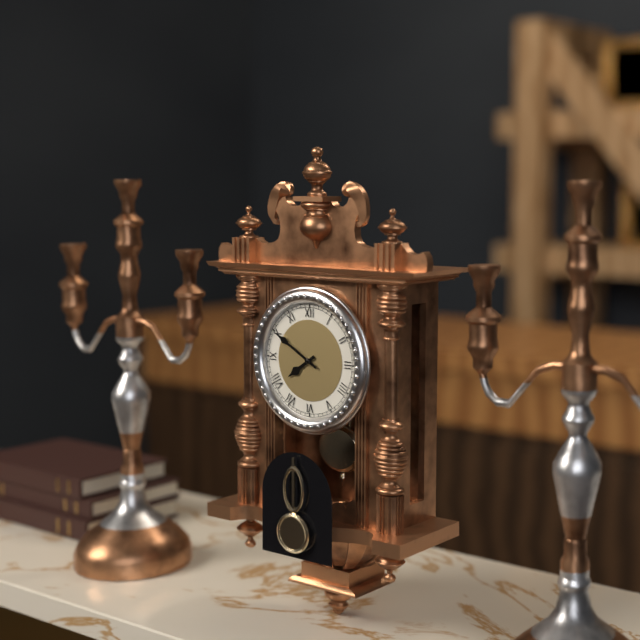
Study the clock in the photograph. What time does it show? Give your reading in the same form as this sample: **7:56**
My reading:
**7:50**
